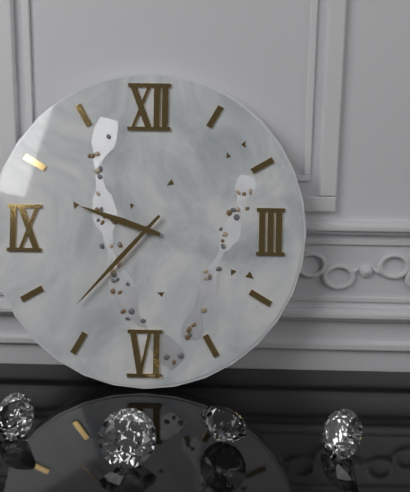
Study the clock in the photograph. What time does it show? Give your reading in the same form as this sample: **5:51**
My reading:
**9:37**
